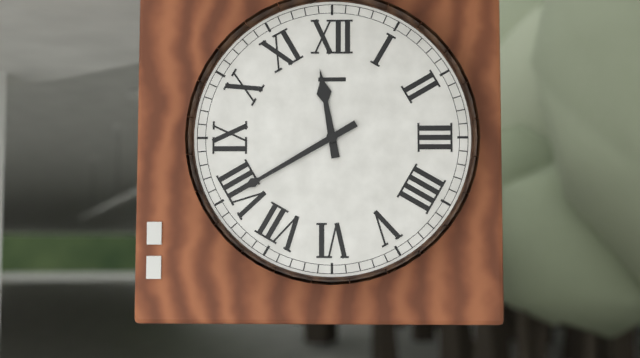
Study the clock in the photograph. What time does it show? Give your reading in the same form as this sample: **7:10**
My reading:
**11:40**
